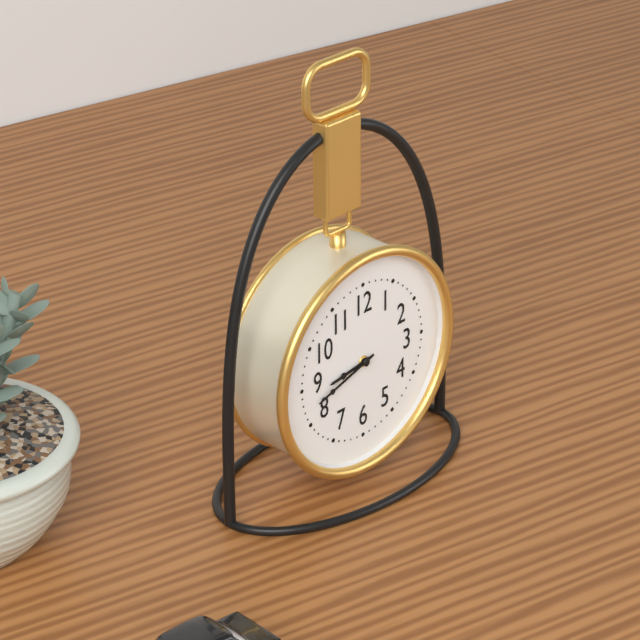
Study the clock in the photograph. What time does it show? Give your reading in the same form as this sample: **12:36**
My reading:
**8:42**
